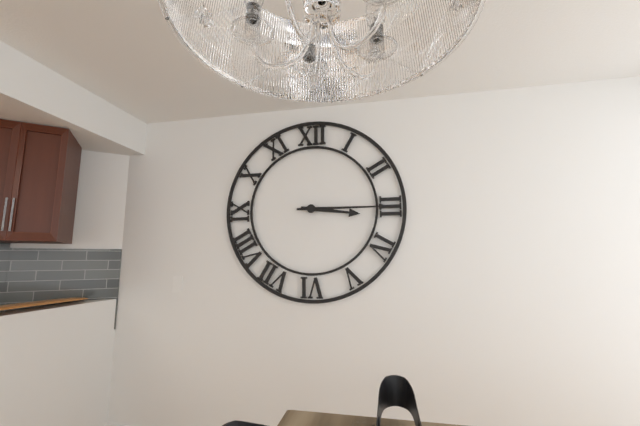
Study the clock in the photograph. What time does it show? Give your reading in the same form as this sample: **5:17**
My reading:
**3:15**
